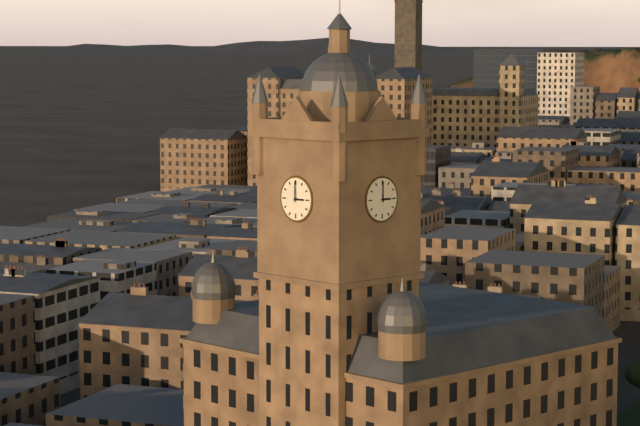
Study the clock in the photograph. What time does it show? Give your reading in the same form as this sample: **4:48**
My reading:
**3:00**
